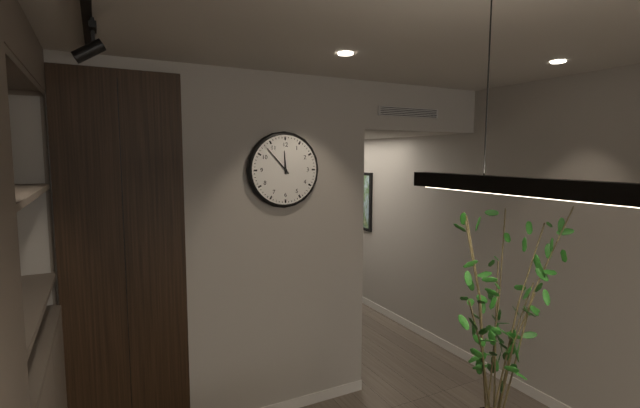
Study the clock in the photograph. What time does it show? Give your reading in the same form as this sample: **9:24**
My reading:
**11:53**
